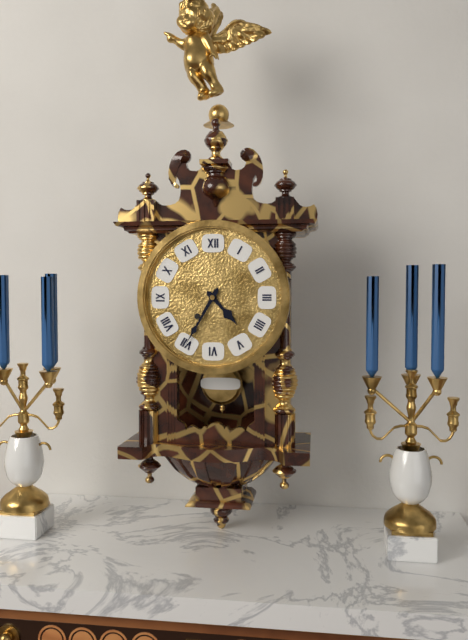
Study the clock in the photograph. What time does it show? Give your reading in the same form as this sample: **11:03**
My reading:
**4:35**
